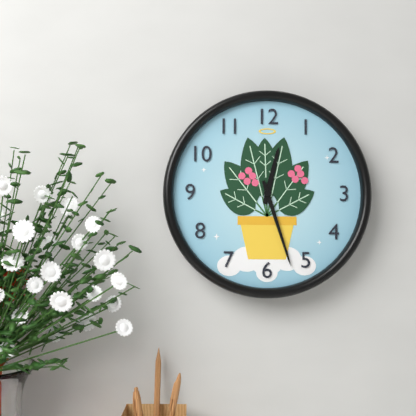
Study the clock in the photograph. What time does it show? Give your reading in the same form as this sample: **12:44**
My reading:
**12:27**
